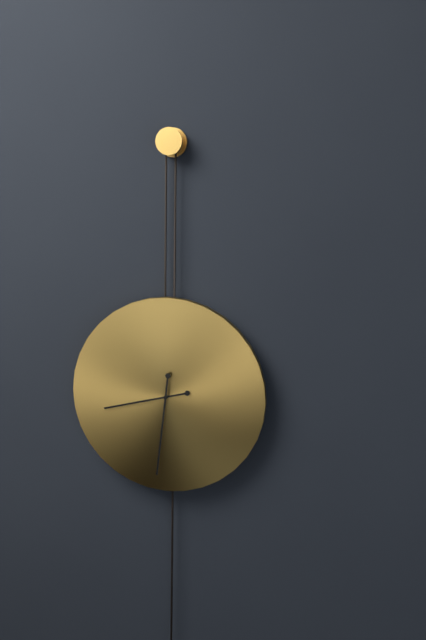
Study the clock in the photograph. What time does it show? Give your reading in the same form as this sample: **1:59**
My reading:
**8:31**
